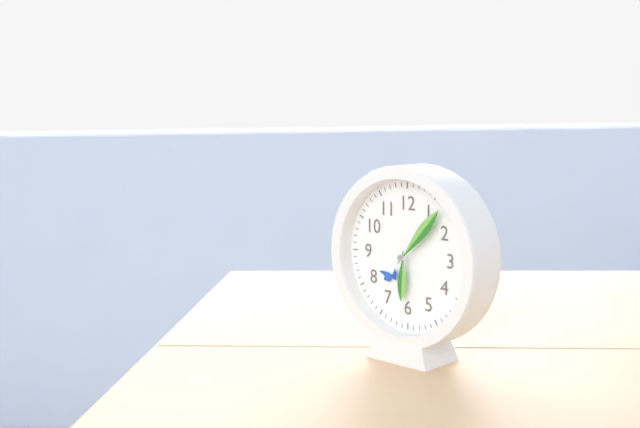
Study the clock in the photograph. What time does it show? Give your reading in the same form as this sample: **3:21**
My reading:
**6:07**
